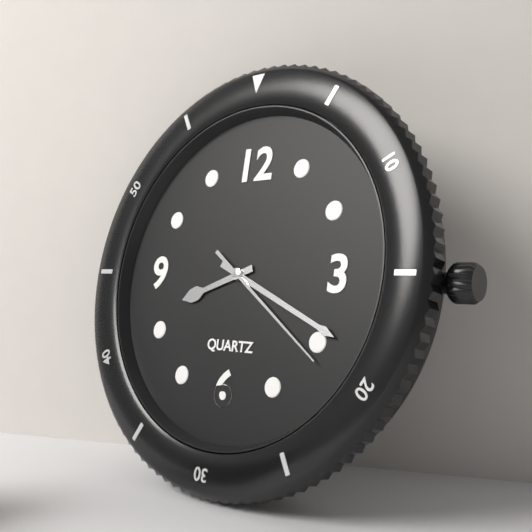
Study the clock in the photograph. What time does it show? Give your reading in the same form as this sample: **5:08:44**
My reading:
**8:19:21**
